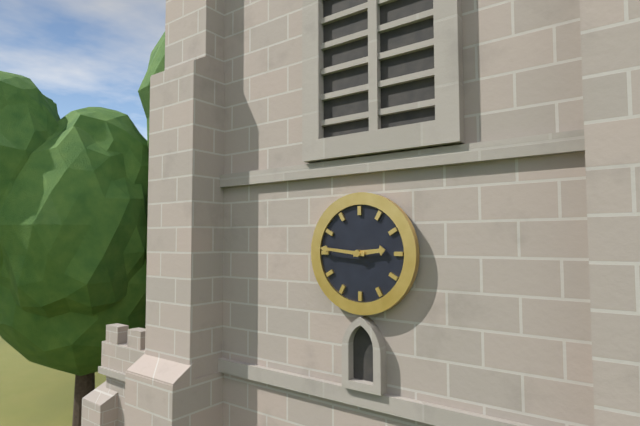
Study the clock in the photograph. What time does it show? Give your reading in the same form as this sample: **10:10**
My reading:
**2:46**
